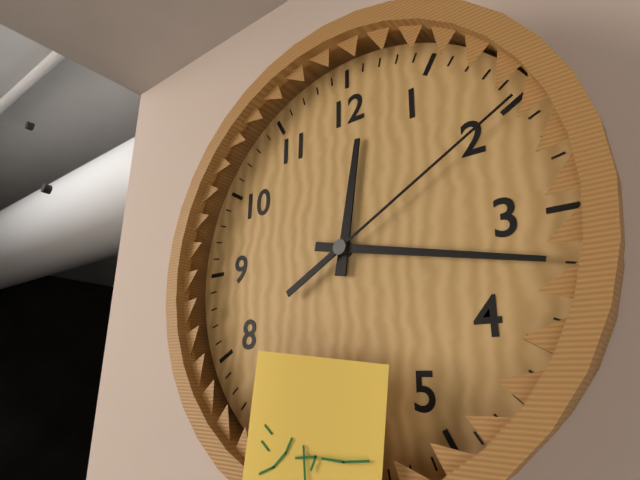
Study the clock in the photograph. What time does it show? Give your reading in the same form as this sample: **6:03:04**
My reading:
**12:17:10**
